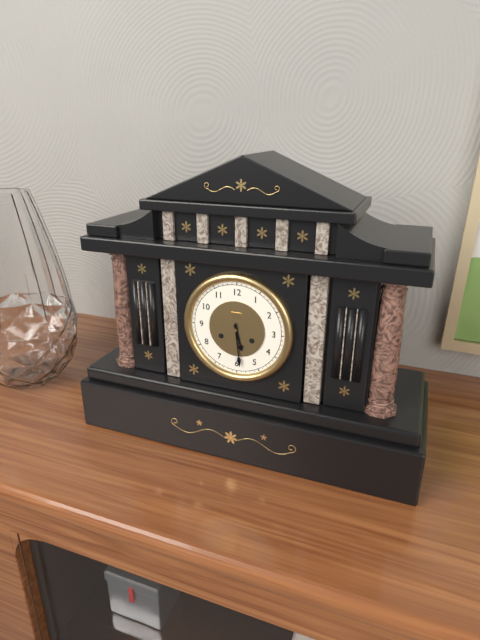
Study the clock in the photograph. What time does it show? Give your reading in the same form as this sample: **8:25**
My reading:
**5:29**
